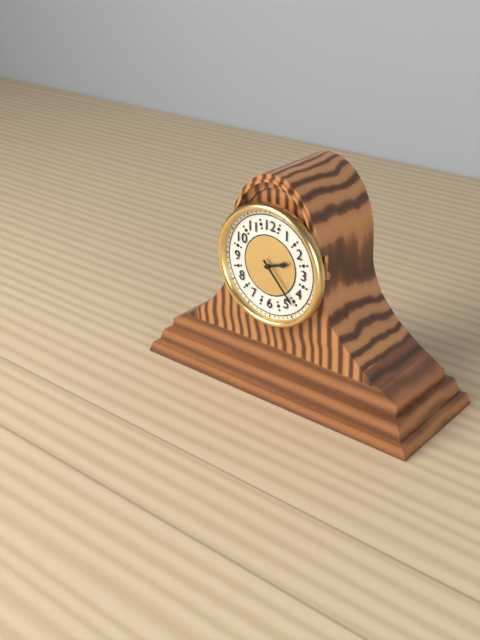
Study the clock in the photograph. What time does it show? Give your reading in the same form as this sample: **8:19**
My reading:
**2:23**
